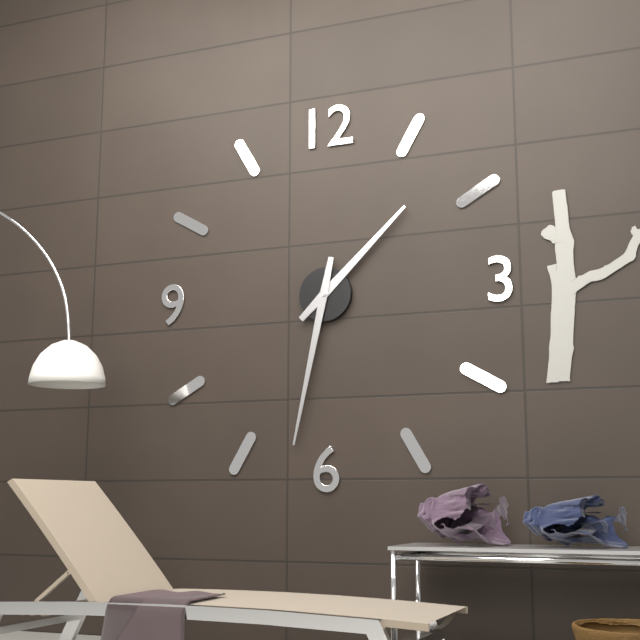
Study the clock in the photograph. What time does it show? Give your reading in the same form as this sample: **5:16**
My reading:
**1:32**
